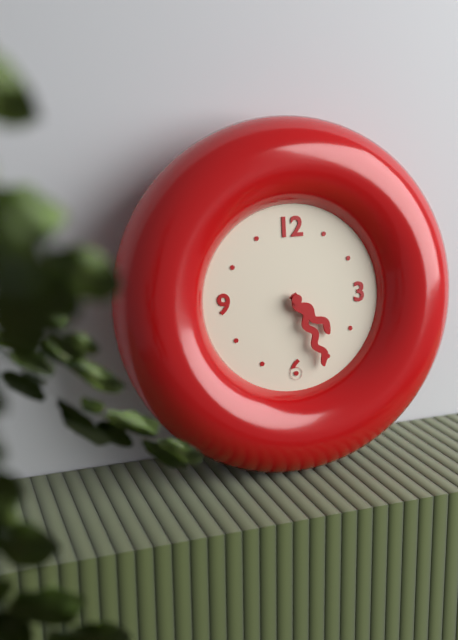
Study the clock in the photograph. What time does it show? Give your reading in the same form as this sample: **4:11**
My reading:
**4:26**
